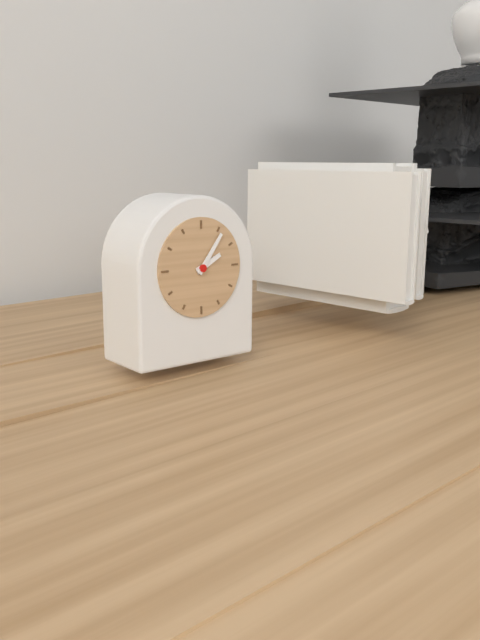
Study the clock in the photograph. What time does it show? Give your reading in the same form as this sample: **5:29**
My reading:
**2:06**
